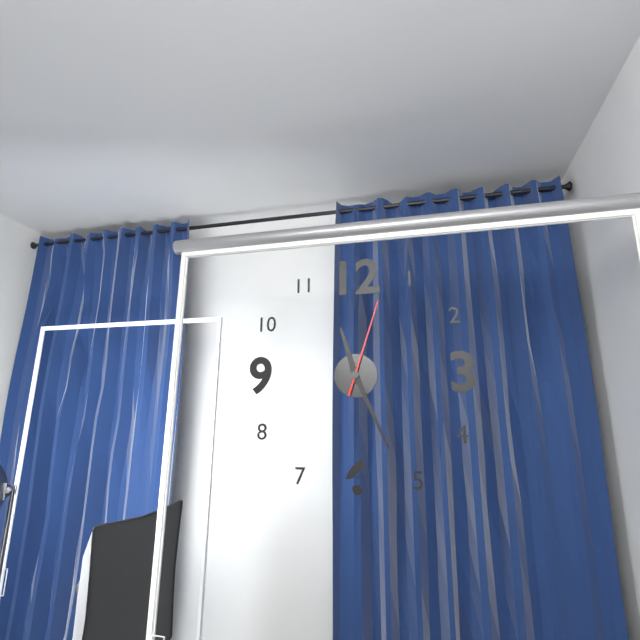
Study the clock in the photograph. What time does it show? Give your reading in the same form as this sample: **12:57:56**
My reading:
**11:26:03**
